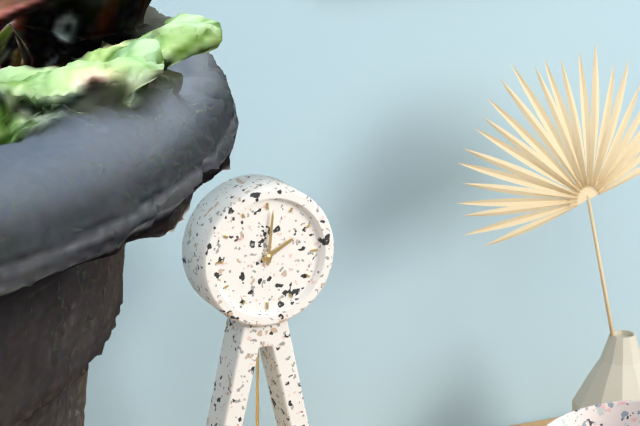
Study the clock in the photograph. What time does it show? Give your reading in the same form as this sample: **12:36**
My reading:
**2:01**
